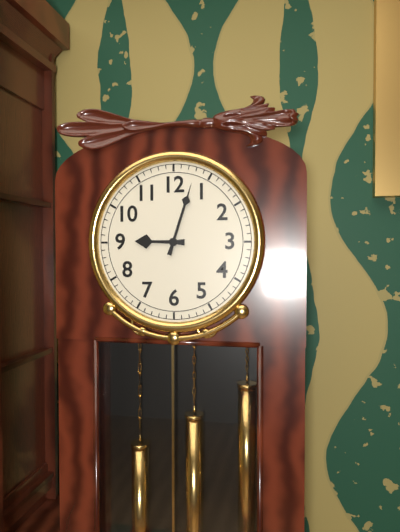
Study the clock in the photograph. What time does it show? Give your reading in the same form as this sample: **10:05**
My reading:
**9:03**
